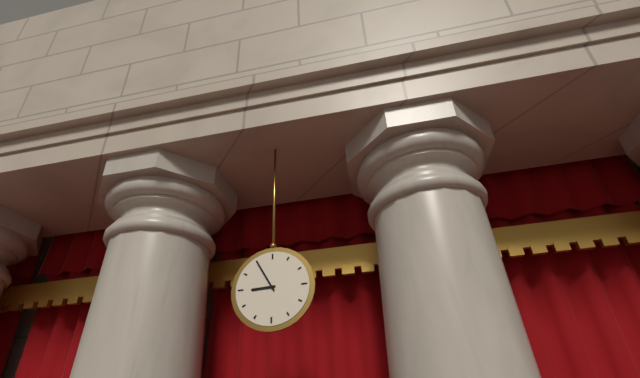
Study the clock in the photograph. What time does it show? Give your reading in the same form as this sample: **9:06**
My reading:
**8:55**
